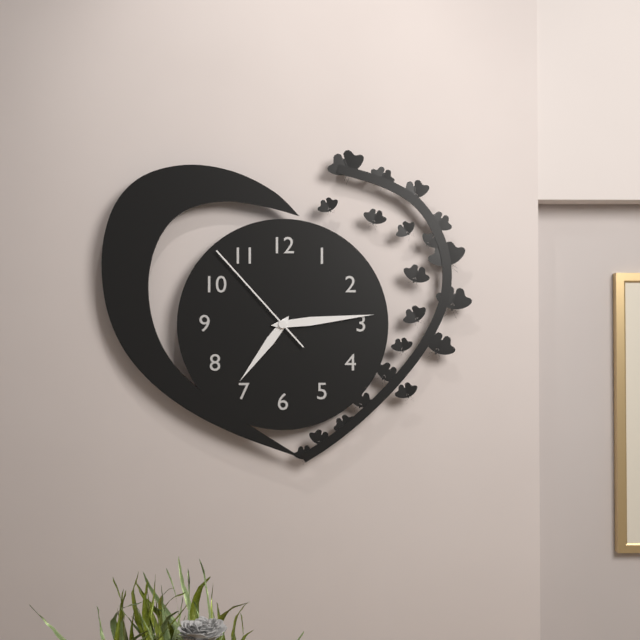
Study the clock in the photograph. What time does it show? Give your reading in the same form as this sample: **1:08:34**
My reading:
**7:14:53**
